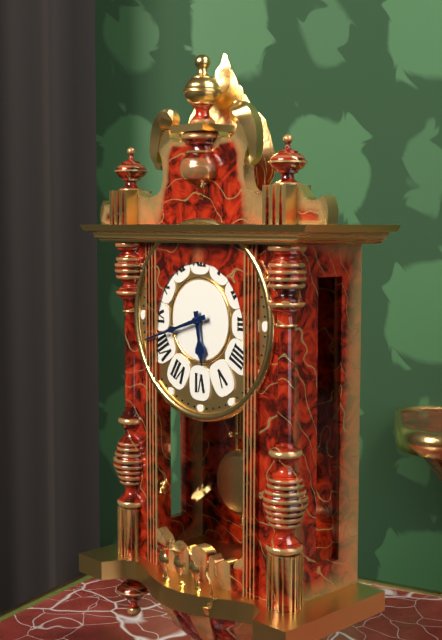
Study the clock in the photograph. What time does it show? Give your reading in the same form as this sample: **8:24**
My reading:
**5:42**
